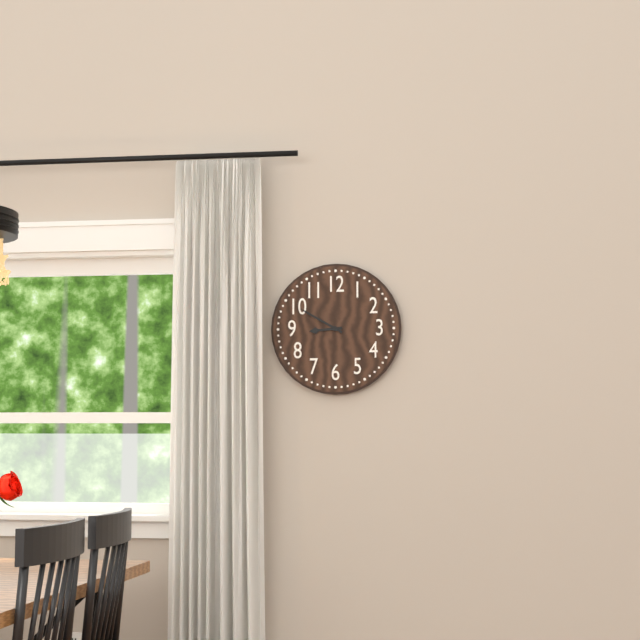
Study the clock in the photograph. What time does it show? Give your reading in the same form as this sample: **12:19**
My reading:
**8:50**
